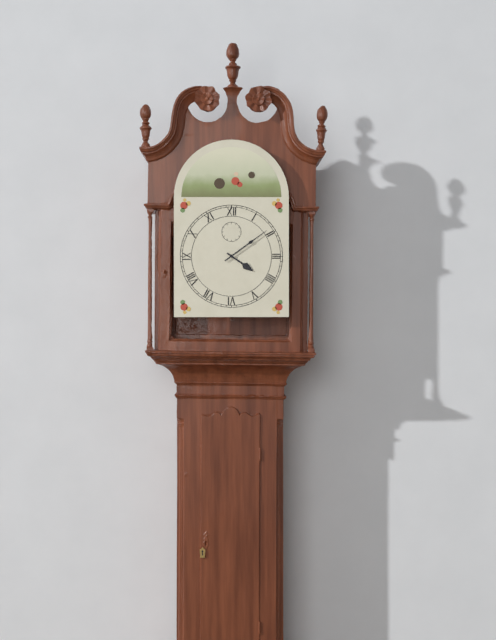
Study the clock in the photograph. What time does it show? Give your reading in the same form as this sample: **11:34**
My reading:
**4:09**
